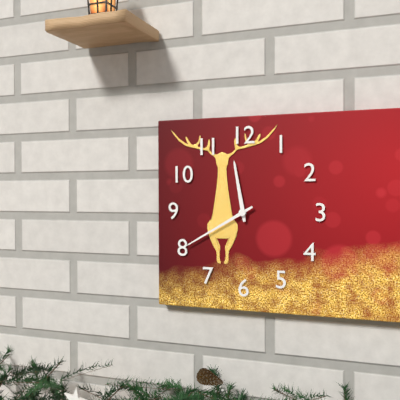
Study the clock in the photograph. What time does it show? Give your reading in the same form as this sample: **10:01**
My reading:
**11:40**
